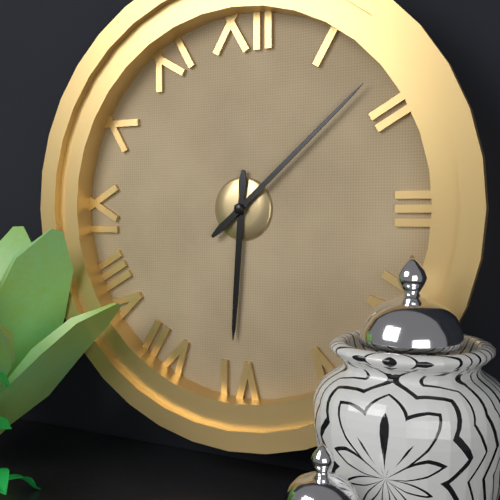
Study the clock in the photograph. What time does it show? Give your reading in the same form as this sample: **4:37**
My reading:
**6:08**
